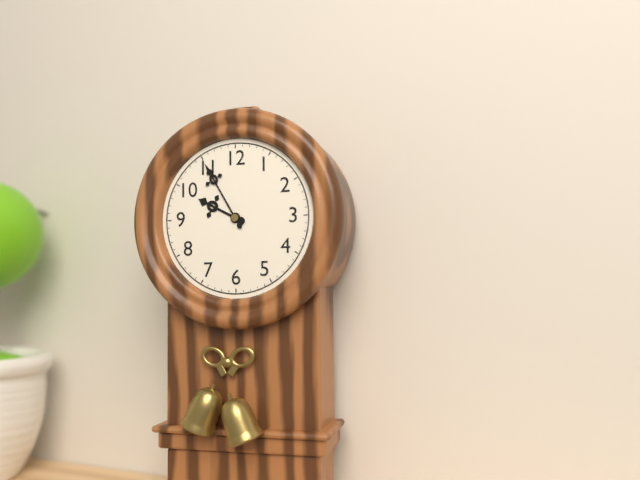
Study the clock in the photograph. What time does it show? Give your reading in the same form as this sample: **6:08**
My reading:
**9:55**
